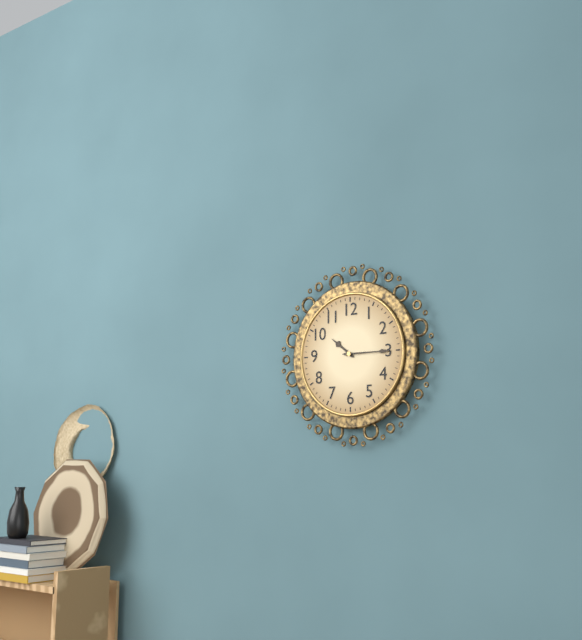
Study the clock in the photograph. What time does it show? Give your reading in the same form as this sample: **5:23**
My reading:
**10:15**
